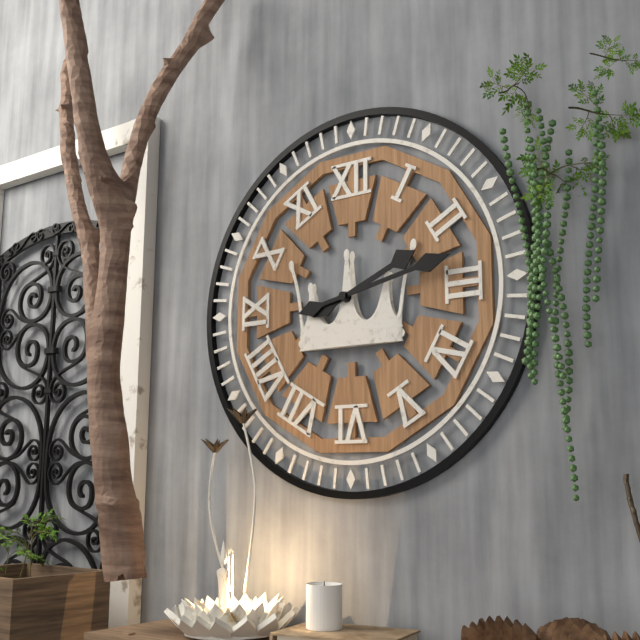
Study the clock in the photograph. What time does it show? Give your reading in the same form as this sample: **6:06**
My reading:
**2:13**
